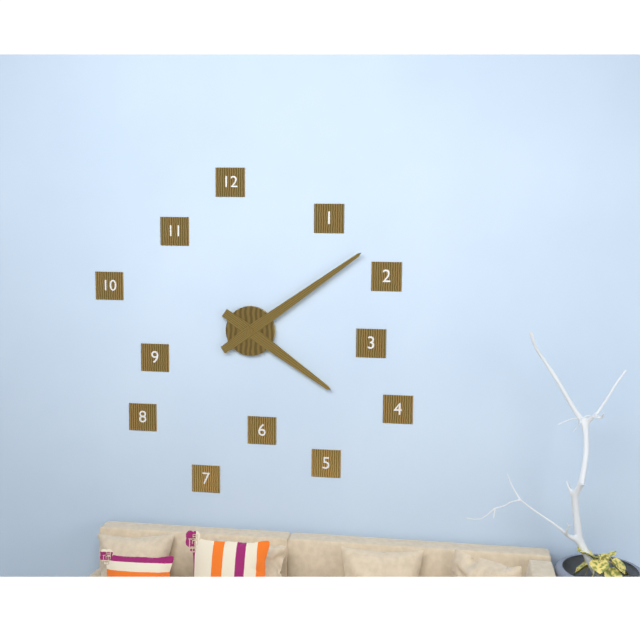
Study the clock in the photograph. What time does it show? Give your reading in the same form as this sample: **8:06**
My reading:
**4:09**
